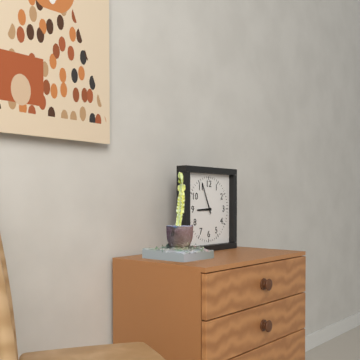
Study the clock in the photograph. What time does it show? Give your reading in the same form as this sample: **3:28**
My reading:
**8:56**
